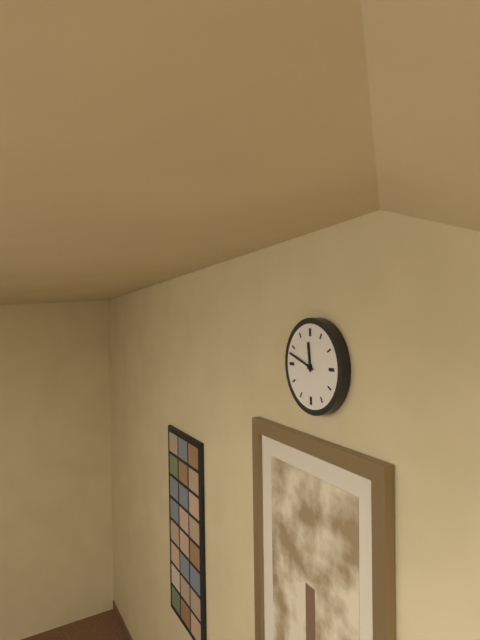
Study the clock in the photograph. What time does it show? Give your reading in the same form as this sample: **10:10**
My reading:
**11:48**
